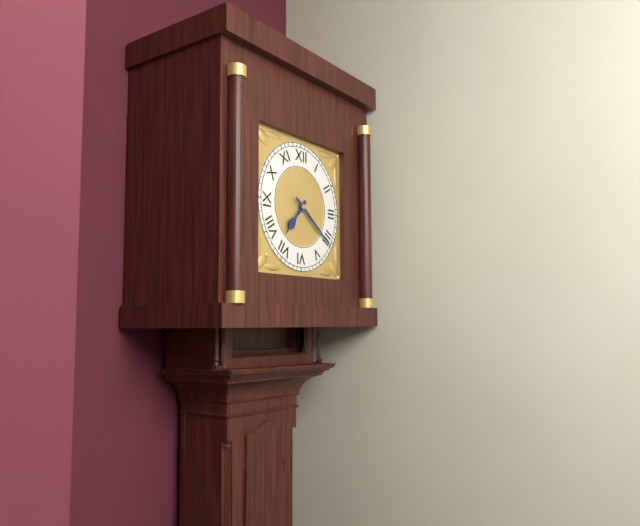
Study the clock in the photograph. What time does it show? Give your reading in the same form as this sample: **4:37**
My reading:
**7:21**
